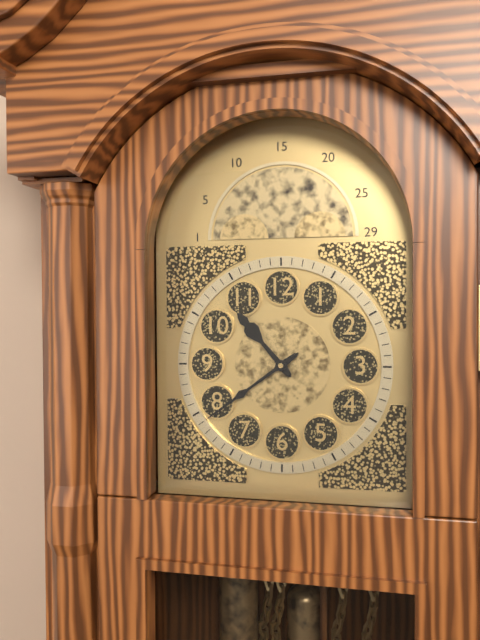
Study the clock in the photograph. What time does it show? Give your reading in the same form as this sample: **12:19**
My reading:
**10:39**
